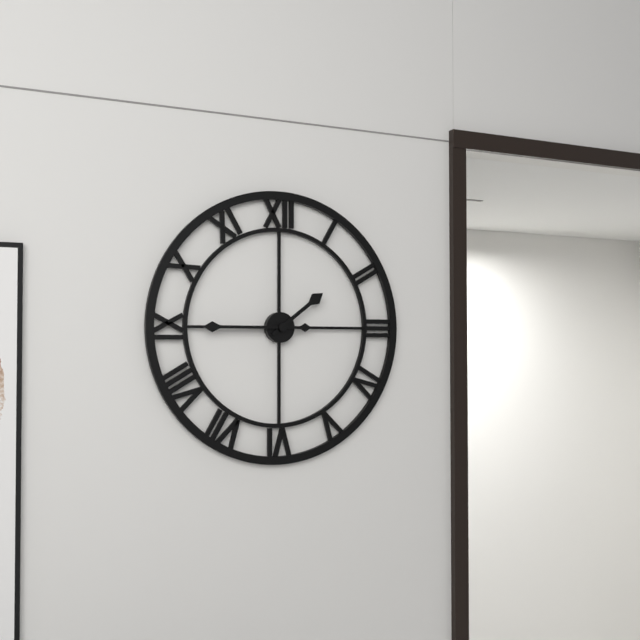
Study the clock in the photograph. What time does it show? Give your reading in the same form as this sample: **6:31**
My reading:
**1:45**
